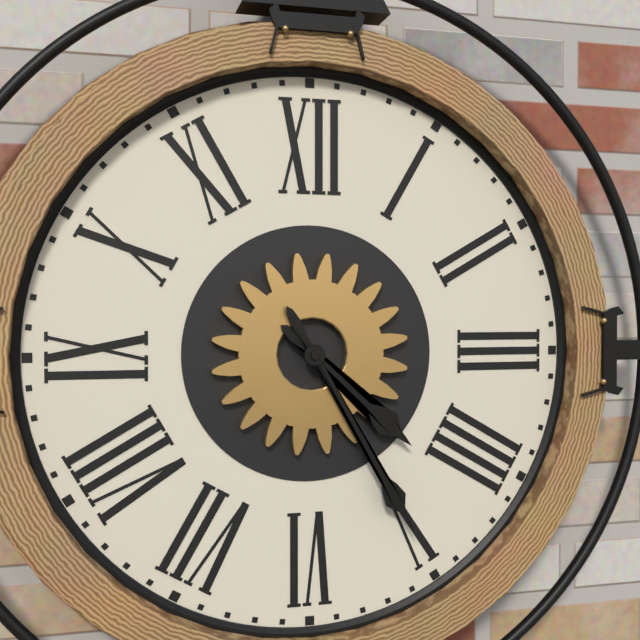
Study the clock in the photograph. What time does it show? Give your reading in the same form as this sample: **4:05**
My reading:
**4:25**
